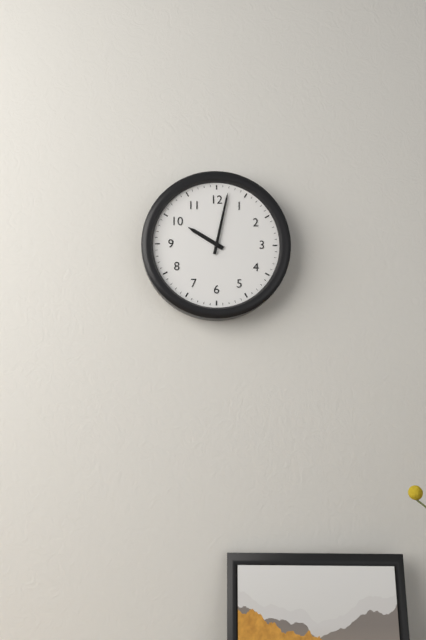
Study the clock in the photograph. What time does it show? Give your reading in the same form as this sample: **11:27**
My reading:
**10:02**
